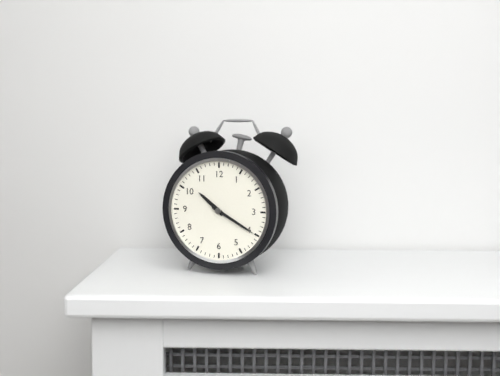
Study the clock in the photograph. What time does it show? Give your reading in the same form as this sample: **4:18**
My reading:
**10:20**
